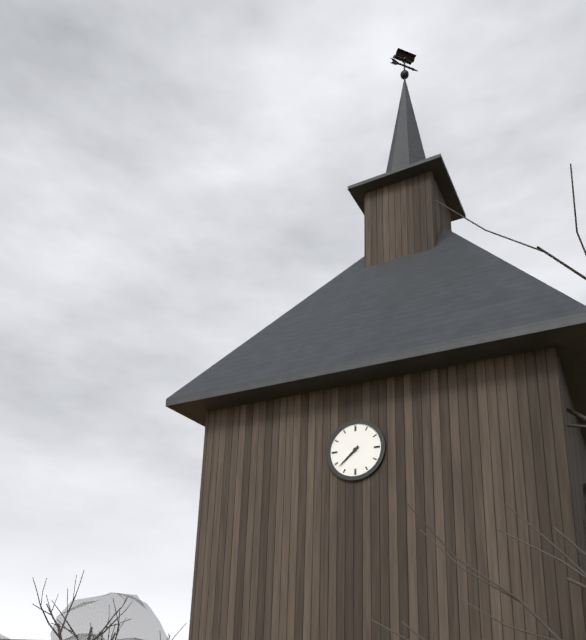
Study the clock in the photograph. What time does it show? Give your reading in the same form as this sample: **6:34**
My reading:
**7:38**
